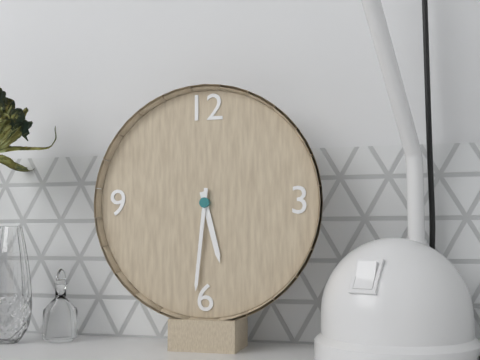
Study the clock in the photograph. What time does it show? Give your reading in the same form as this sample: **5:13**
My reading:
**5:31**
